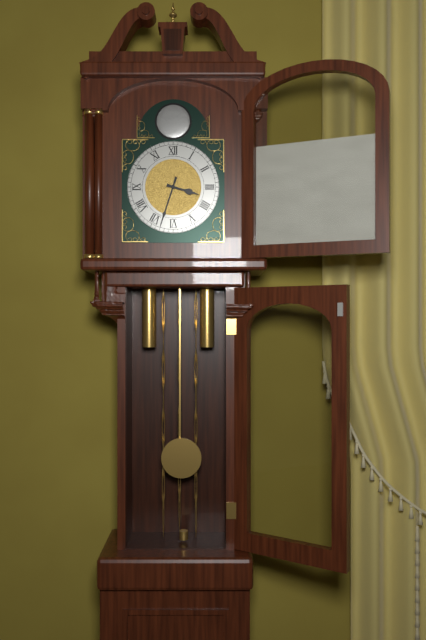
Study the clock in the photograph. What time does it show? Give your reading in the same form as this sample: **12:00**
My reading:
**3:33**
